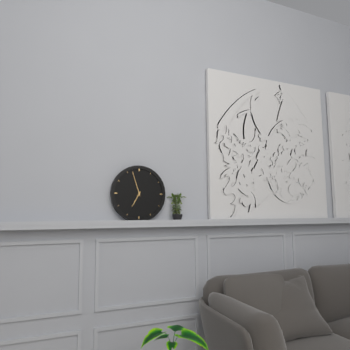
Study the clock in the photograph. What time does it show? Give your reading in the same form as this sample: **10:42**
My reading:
**6:57**
